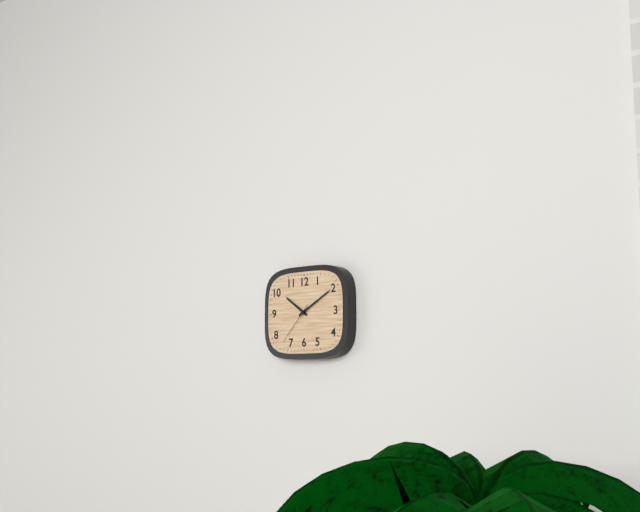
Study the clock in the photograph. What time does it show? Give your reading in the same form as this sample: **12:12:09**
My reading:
**10:10:37**
